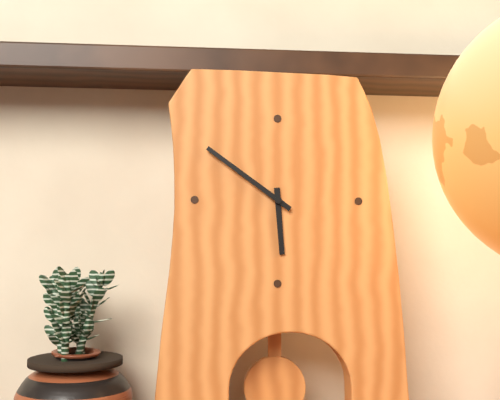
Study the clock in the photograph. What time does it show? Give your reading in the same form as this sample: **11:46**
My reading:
**5:51**
